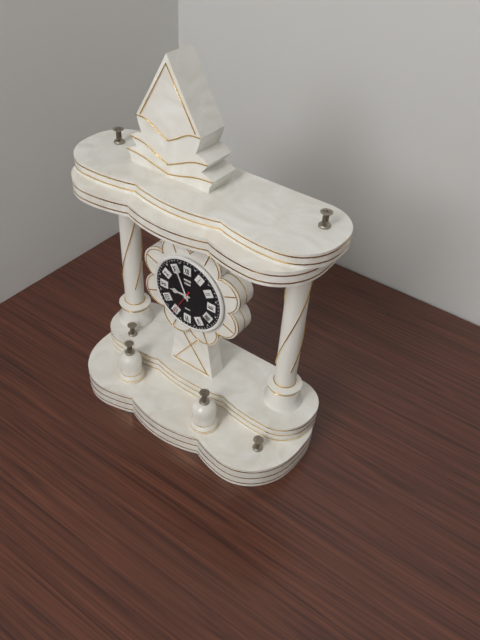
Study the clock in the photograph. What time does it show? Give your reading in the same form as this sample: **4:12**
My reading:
**8:56**
